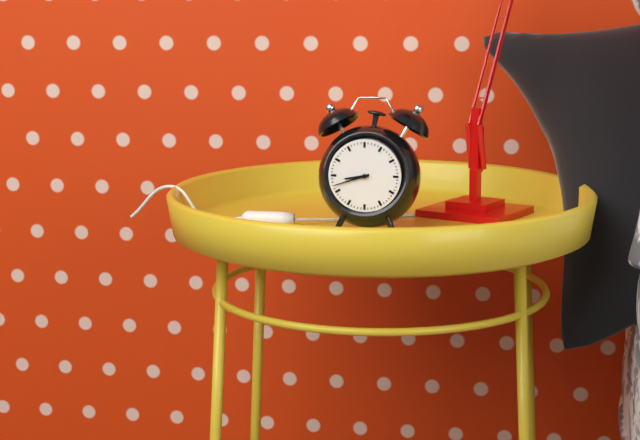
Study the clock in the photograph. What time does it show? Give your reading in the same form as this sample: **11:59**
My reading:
**8:42**
